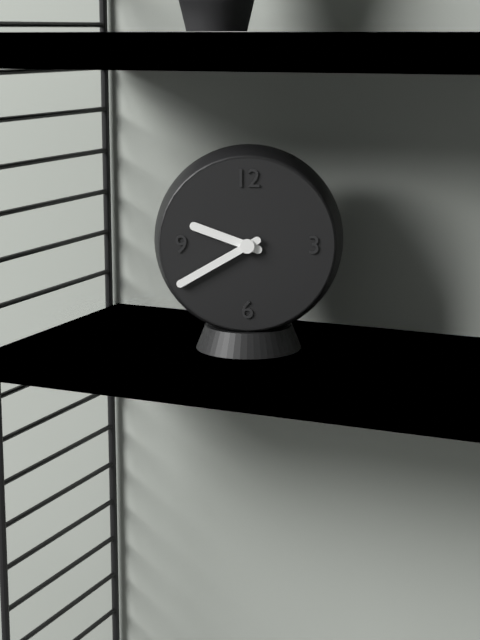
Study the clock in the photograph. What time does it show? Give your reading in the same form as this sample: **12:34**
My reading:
**9:40**
